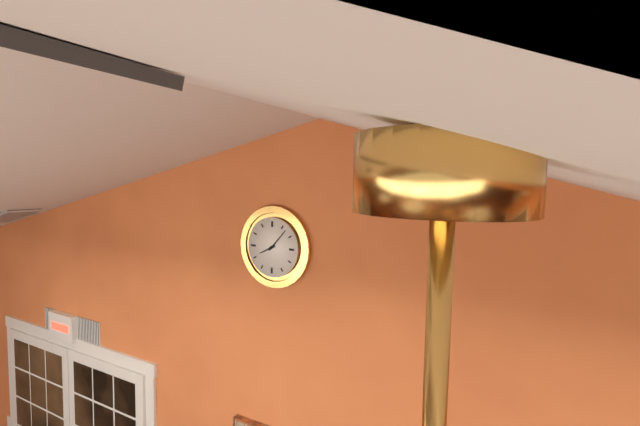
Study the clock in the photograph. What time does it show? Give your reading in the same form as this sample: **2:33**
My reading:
**8:07**
